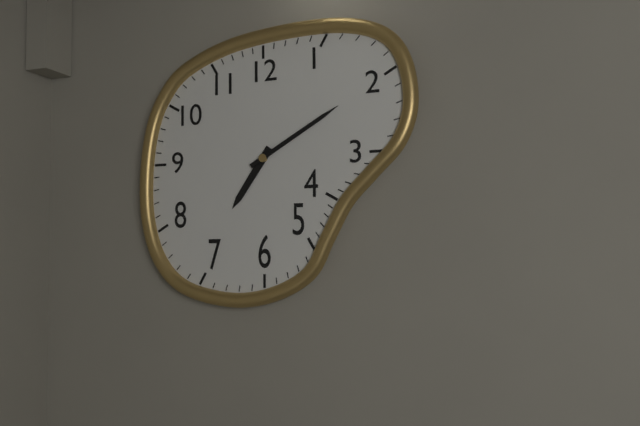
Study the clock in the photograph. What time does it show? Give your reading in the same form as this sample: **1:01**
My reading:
**7:10**
